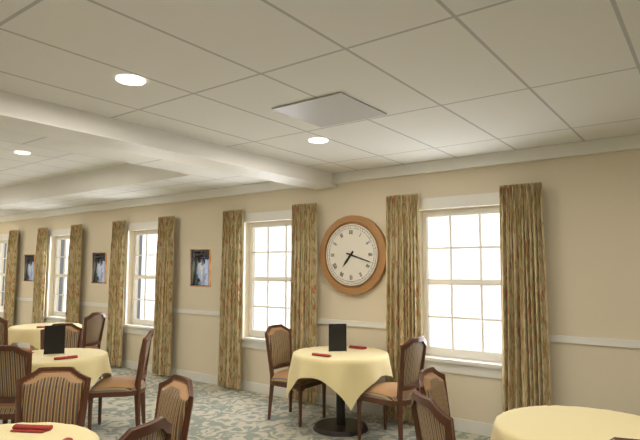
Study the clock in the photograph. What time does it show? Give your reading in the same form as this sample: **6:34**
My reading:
**7:18**
